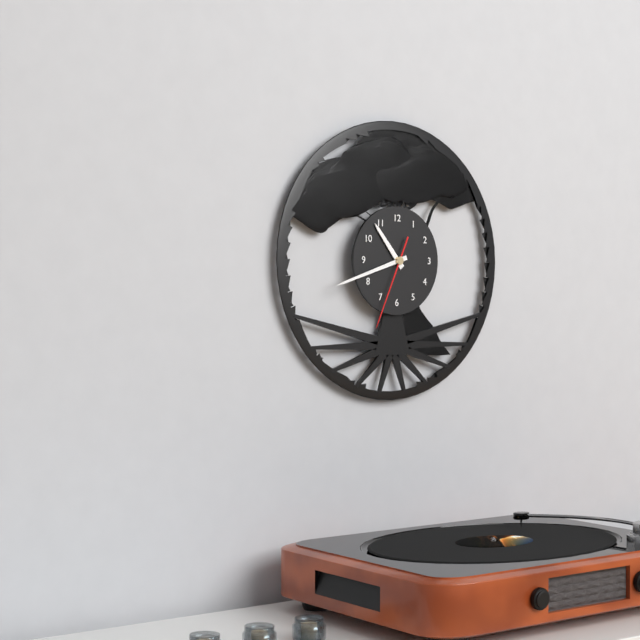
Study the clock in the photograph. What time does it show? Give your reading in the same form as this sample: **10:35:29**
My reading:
**10:42:34**
